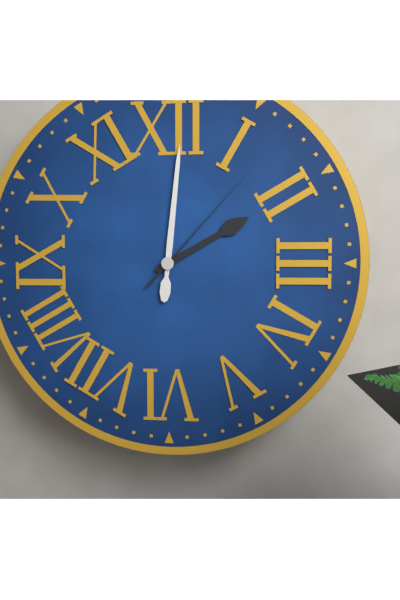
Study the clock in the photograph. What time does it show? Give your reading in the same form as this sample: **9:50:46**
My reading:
**2:01:07**
